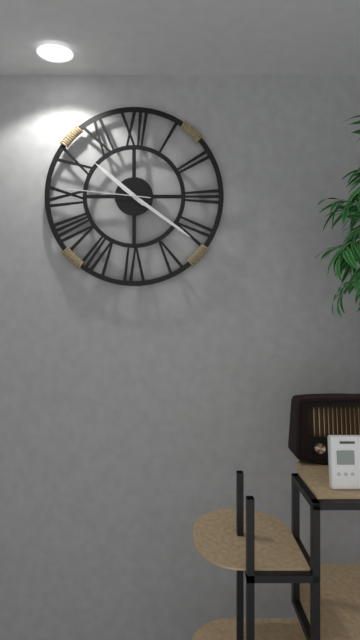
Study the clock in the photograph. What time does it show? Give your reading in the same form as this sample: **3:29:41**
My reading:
**10:21:46**
